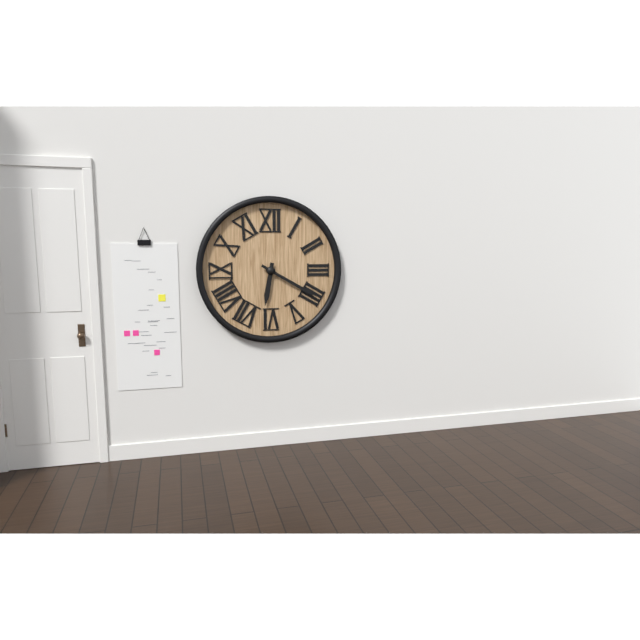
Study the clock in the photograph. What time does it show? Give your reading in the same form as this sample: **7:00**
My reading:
**6:20**
